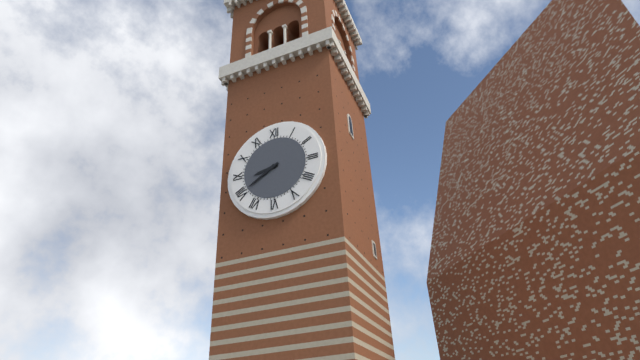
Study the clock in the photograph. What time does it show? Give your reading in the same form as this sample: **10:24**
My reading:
**8:40**
